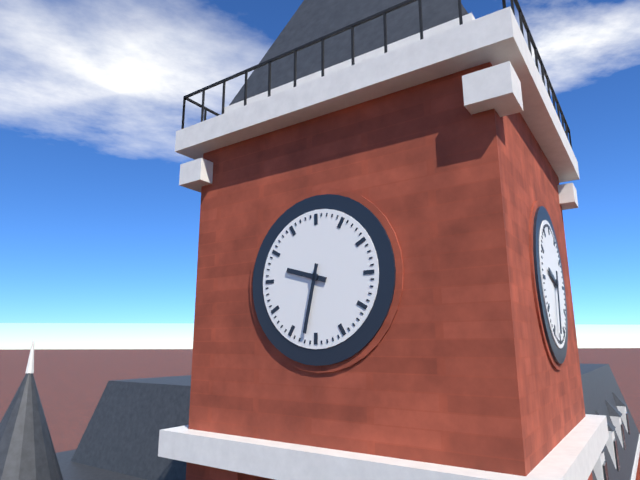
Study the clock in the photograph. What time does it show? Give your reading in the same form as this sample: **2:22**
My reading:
**9:32**
